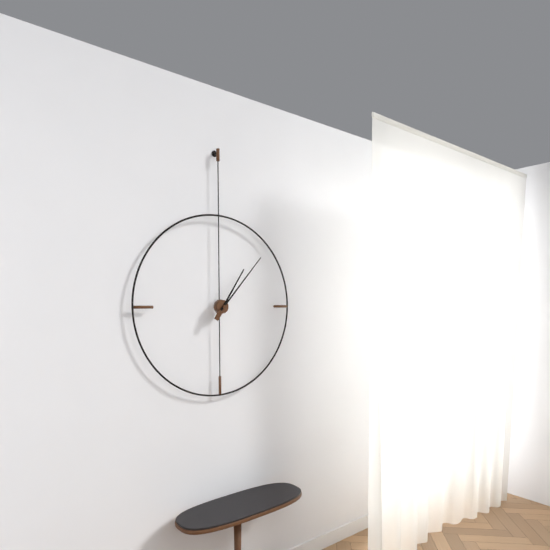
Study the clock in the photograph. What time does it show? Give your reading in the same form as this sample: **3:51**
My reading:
**1:07**
